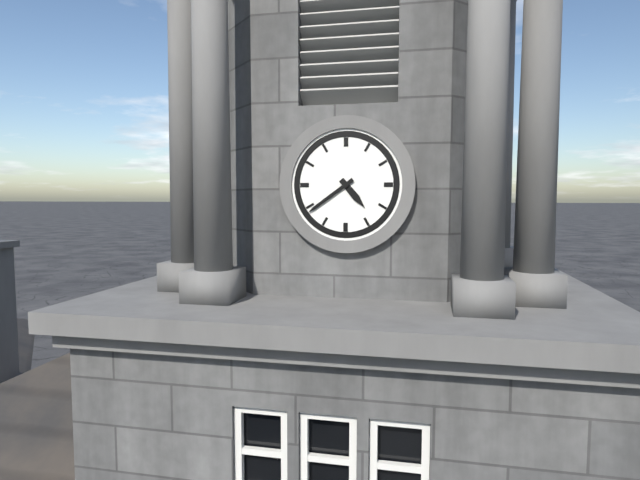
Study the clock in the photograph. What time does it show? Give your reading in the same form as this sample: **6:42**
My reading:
**4:39**
